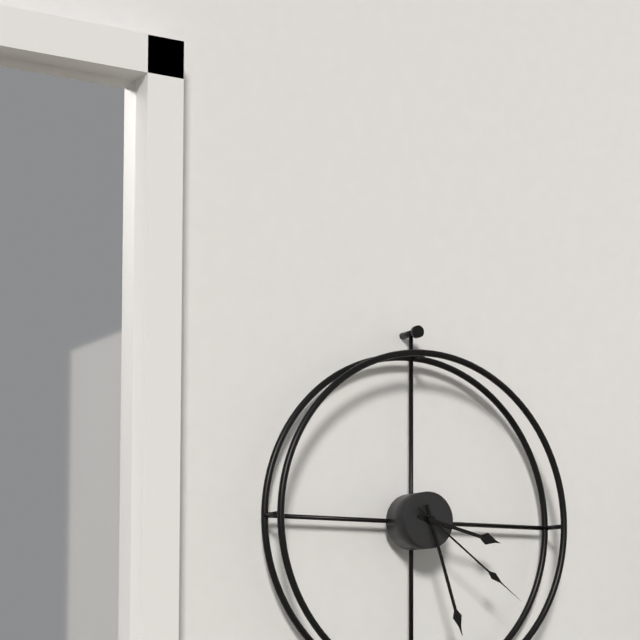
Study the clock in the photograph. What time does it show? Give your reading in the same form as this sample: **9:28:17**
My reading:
**3:27:21**
